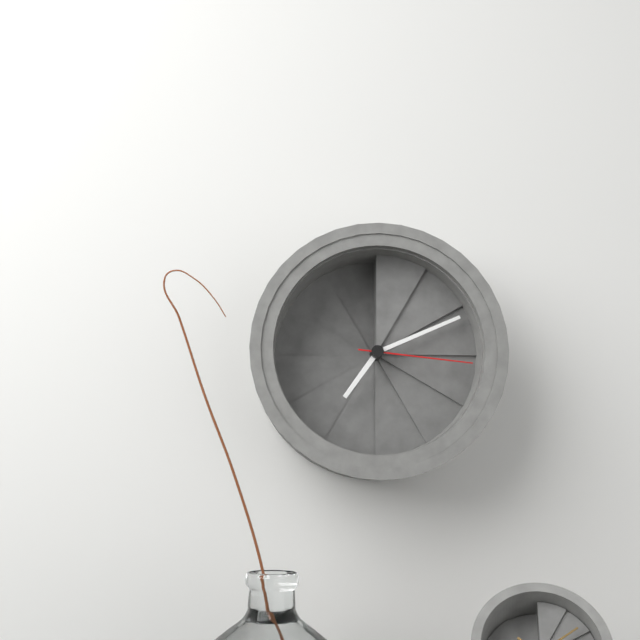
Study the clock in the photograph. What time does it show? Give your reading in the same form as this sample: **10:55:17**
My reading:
**7:11:16**
